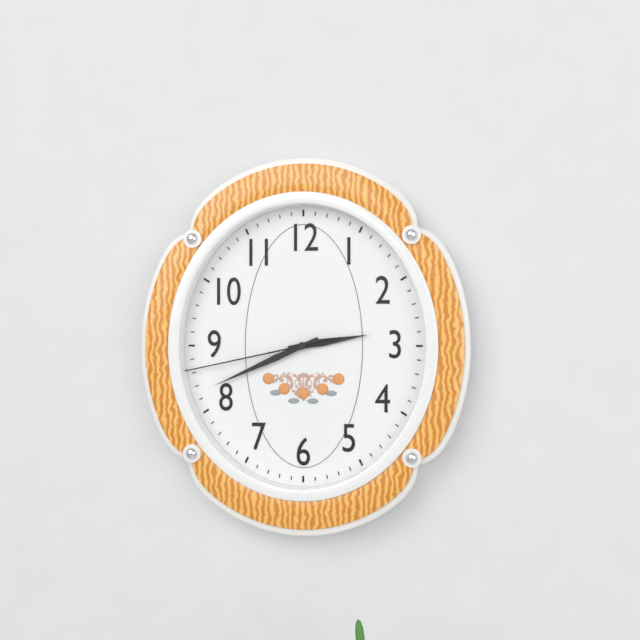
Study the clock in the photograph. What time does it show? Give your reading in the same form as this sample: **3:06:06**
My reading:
**2:41:43**
